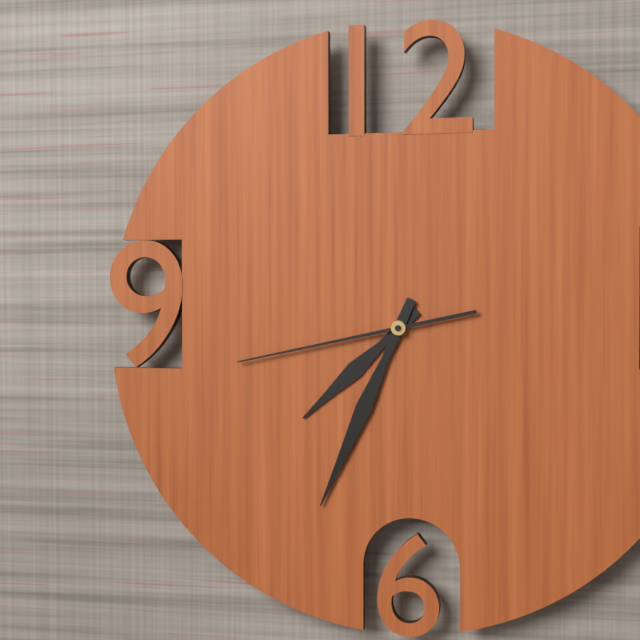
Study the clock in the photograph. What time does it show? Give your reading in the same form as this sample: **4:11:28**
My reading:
**7:34:43**
